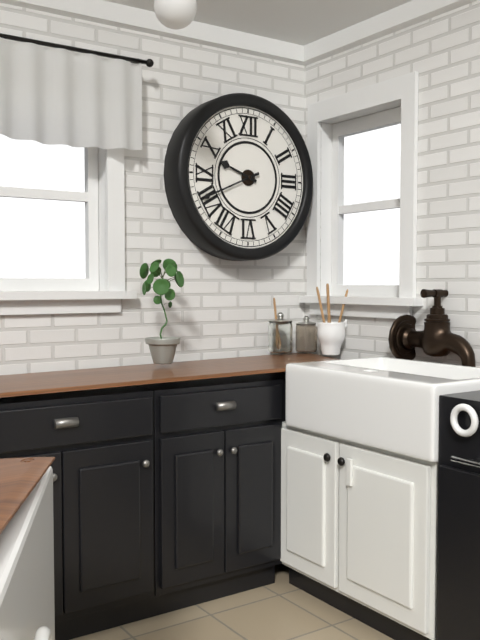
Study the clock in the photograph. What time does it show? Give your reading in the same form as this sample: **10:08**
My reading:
**9:41**
